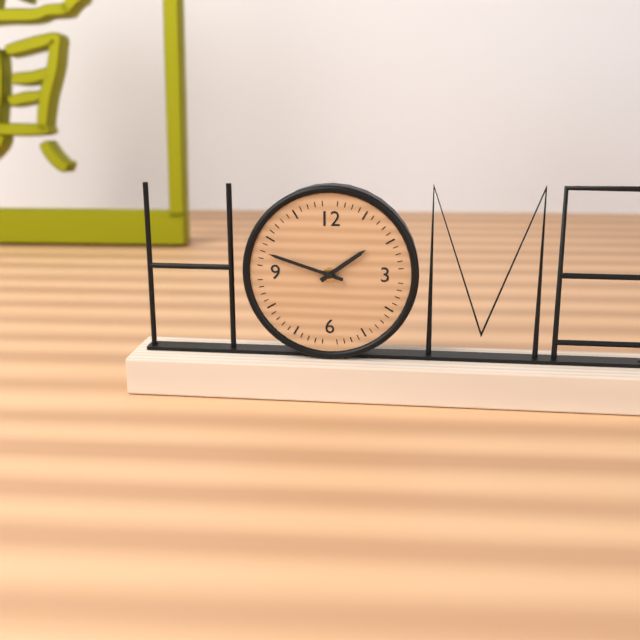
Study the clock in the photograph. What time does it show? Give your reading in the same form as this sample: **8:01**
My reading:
**1:48**
